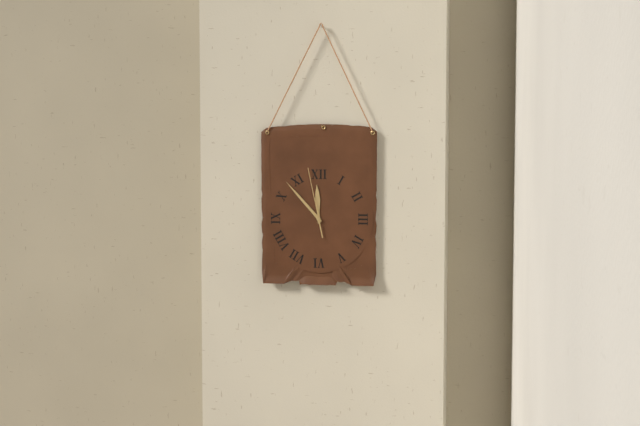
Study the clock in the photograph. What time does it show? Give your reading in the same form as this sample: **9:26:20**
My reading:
**11:53:58**
